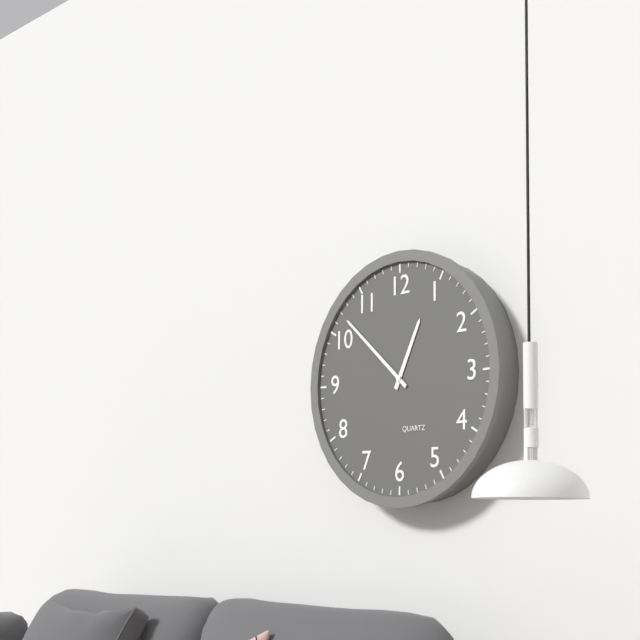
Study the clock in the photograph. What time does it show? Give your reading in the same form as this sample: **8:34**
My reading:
**12:52**
